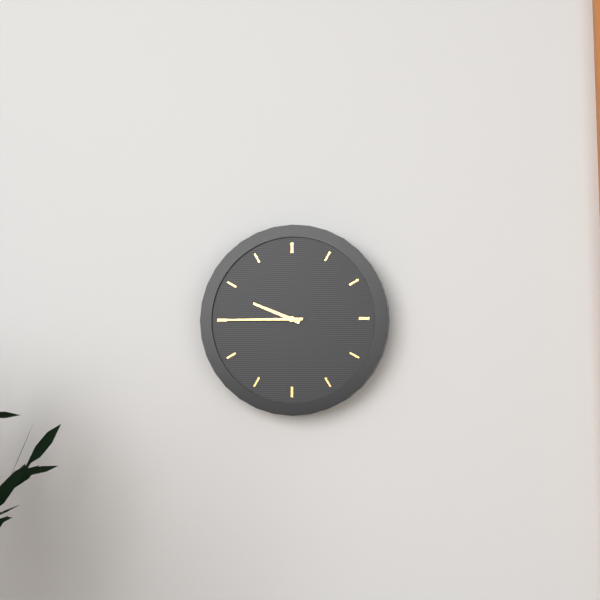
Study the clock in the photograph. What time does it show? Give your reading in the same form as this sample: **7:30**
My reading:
**9:45**
